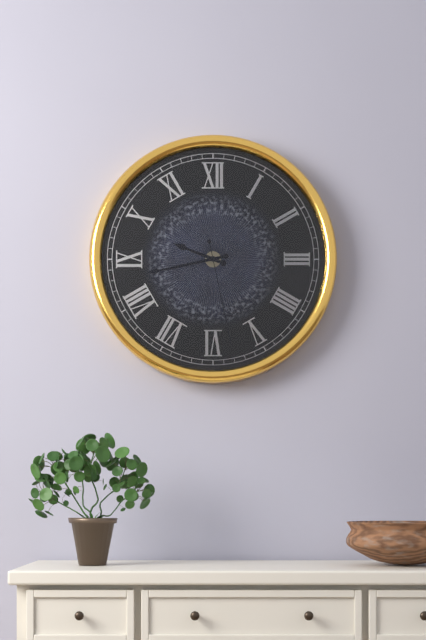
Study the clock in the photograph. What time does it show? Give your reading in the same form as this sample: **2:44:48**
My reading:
**9:43:28**
